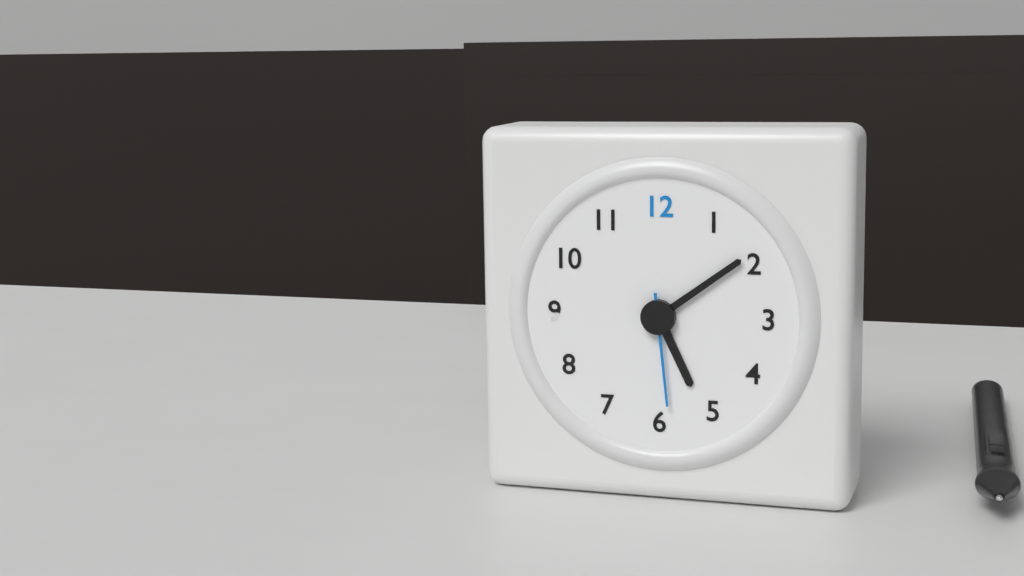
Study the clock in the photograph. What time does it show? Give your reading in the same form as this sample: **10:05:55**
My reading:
**5:09:29**
